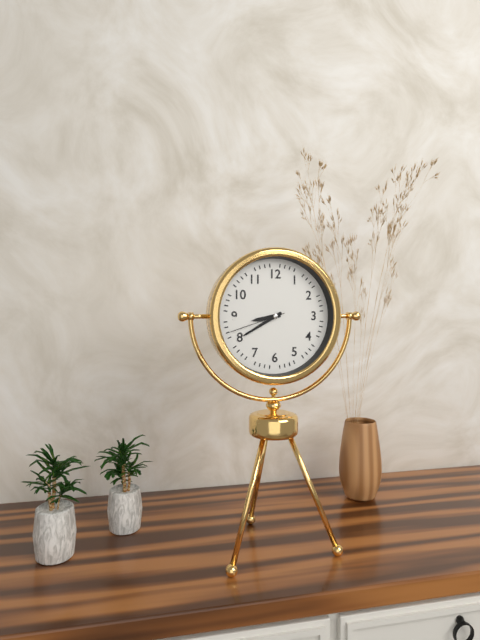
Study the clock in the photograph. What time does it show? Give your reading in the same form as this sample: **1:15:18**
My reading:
**8:40:42**
